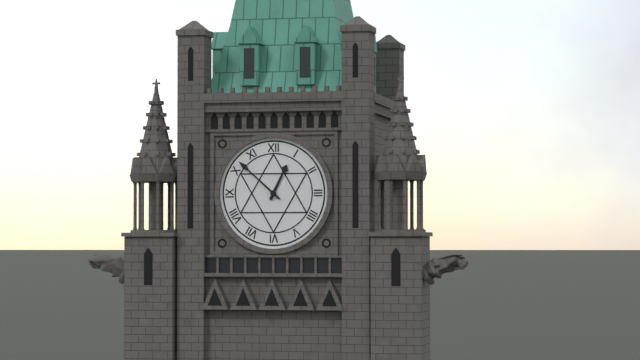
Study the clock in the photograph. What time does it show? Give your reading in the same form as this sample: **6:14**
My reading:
**12:52**
